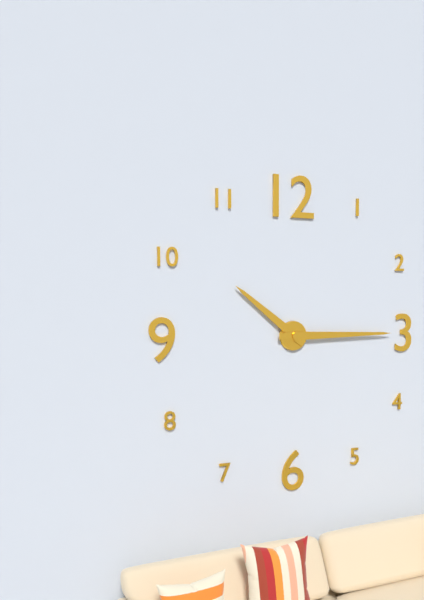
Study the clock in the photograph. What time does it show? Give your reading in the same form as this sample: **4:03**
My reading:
**10:15**
